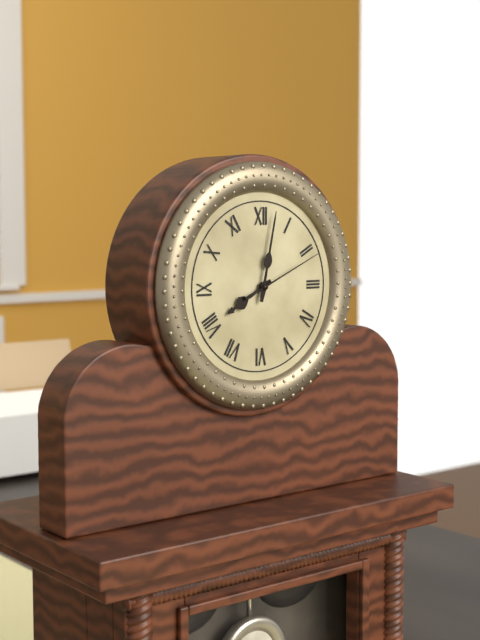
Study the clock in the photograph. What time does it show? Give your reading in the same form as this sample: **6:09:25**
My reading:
**8:02:11**
